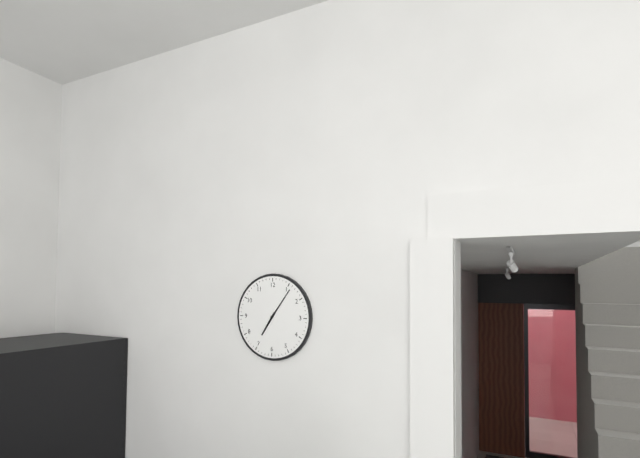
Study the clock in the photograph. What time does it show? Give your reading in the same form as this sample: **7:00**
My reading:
**7:06**
